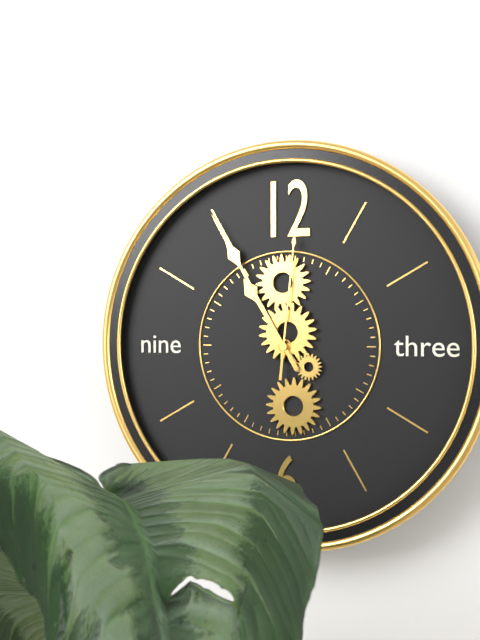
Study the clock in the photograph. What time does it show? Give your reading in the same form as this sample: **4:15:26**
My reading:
**10:55:01**
